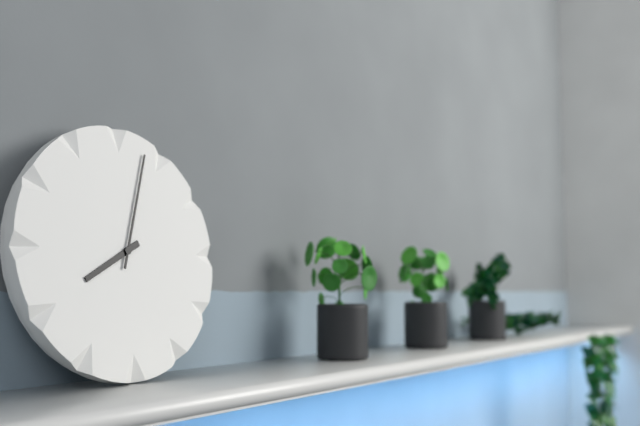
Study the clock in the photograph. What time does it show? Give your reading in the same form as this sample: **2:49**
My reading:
**8:03**
